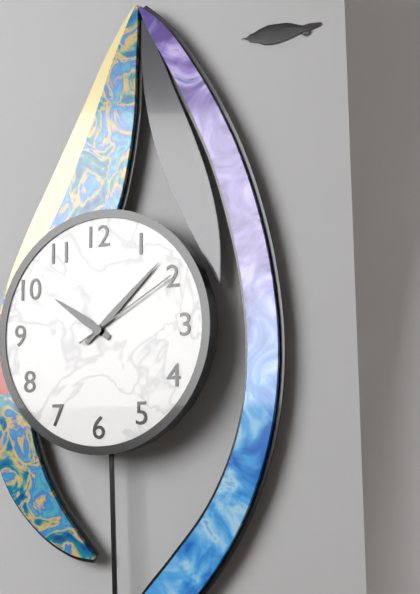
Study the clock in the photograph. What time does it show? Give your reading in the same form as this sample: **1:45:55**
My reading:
**10:08:10**
